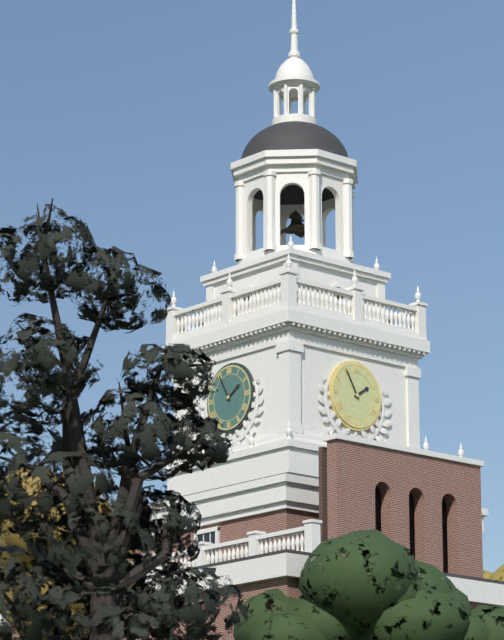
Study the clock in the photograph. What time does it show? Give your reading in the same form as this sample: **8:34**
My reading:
**1:55**
